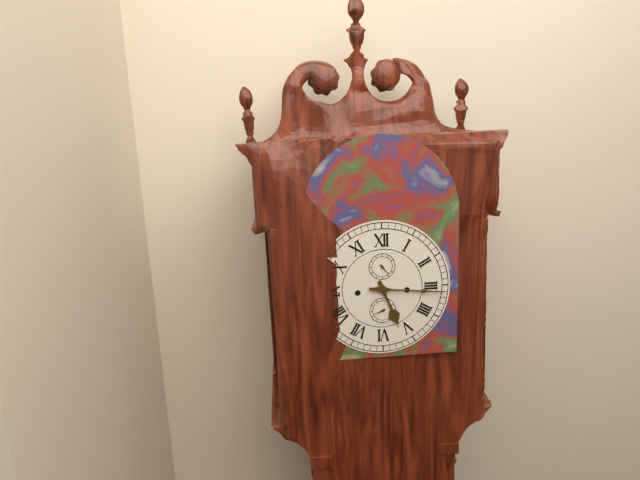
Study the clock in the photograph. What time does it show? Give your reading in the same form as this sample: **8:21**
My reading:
**5:16**
